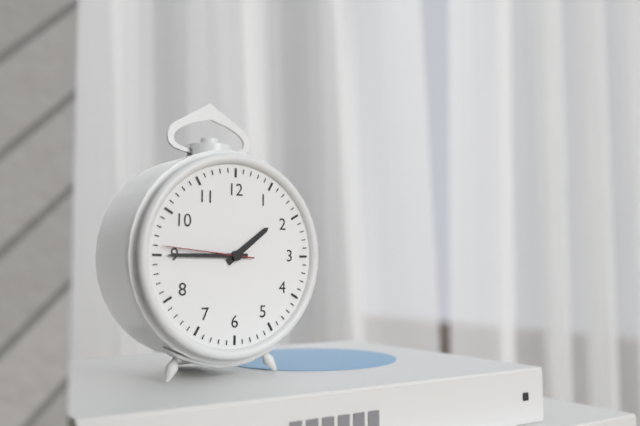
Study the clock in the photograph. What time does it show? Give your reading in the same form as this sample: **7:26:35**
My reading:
**1:45:46**
